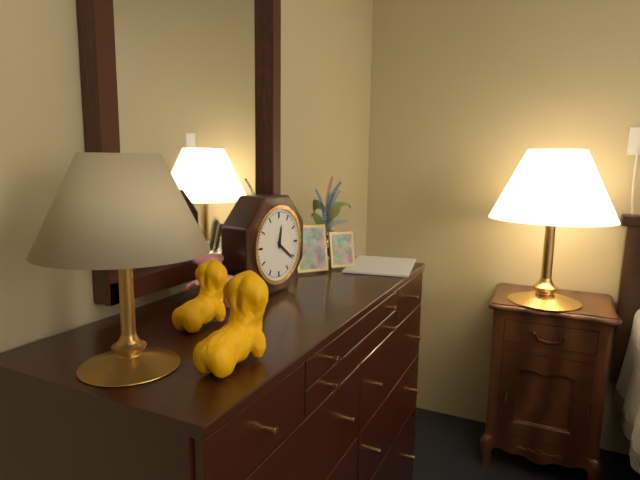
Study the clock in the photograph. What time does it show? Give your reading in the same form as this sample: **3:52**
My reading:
**12:21**
